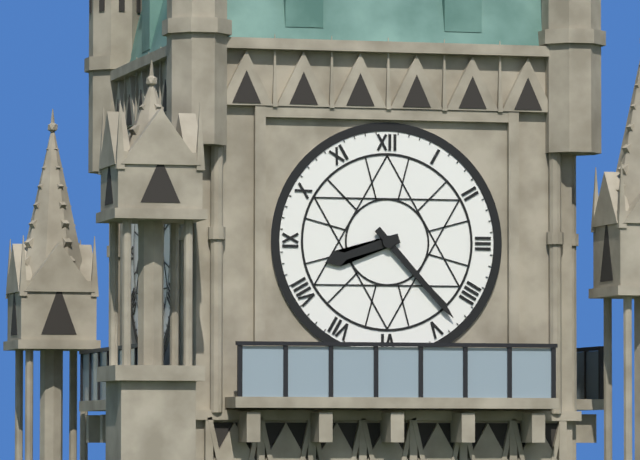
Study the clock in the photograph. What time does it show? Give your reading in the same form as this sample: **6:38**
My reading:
**8:23**
